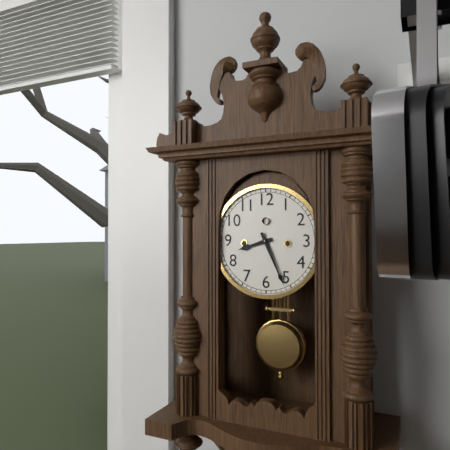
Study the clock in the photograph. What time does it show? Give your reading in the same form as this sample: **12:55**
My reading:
**8:26**
